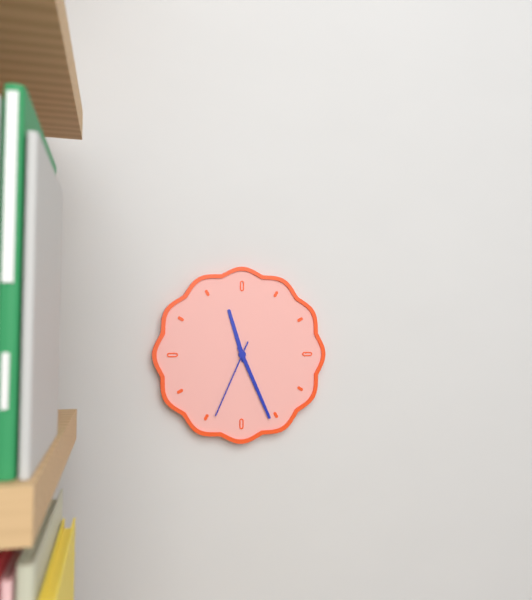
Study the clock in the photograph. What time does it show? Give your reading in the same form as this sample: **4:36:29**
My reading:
**11:26:34**
